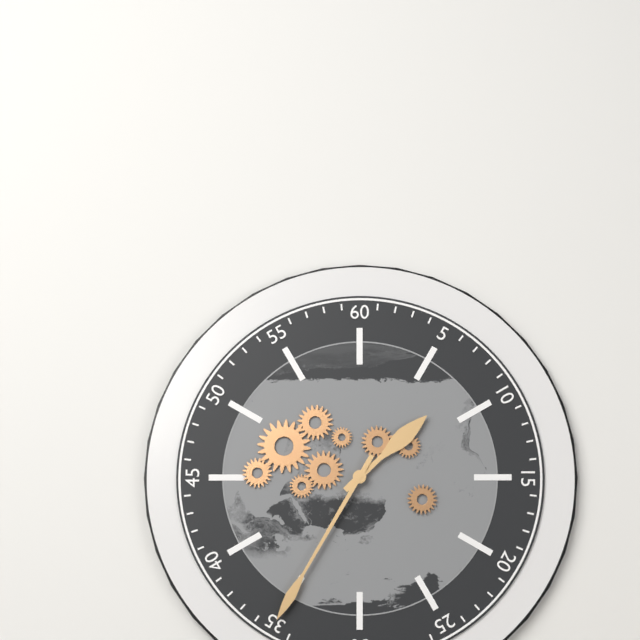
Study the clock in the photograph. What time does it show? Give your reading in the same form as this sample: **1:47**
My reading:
**1:35**
